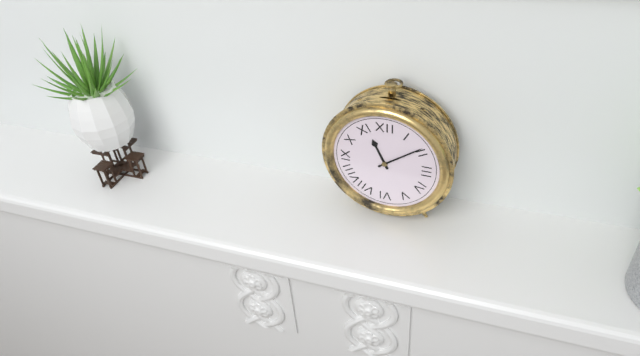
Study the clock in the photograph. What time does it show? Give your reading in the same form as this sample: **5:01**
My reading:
**11:09**
